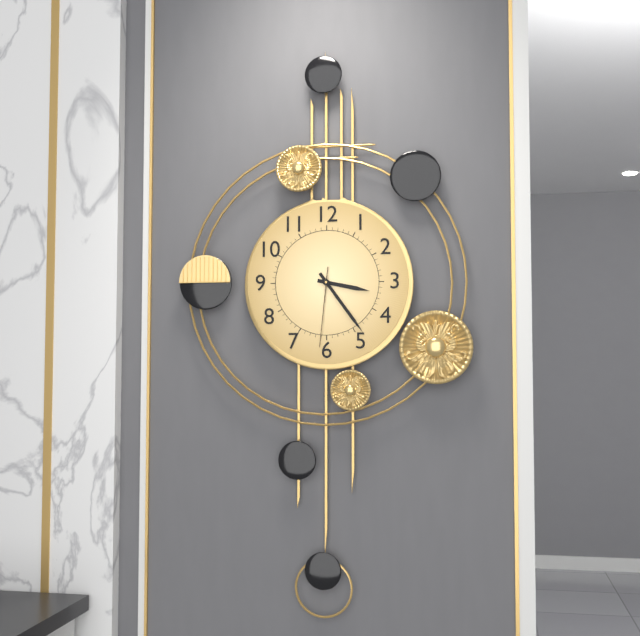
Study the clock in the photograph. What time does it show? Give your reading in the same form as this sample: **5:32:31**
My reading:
**3:24:31**
